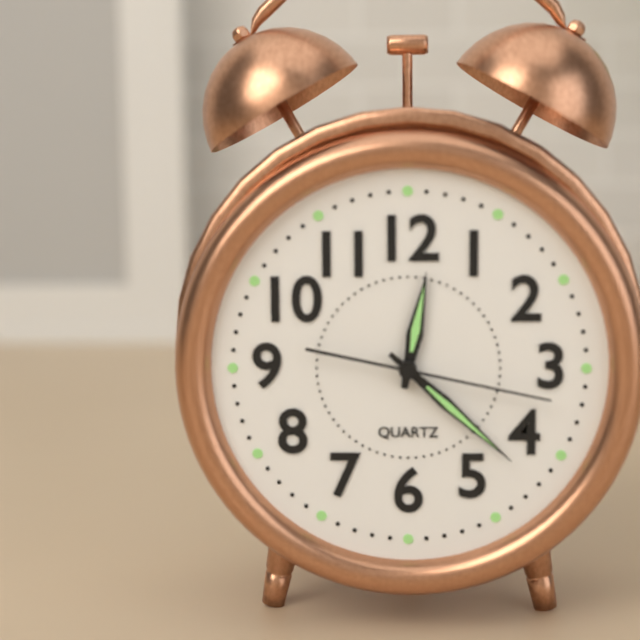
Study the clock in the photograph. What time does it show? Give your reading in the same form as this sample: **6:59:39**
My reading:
**12:22:17**
